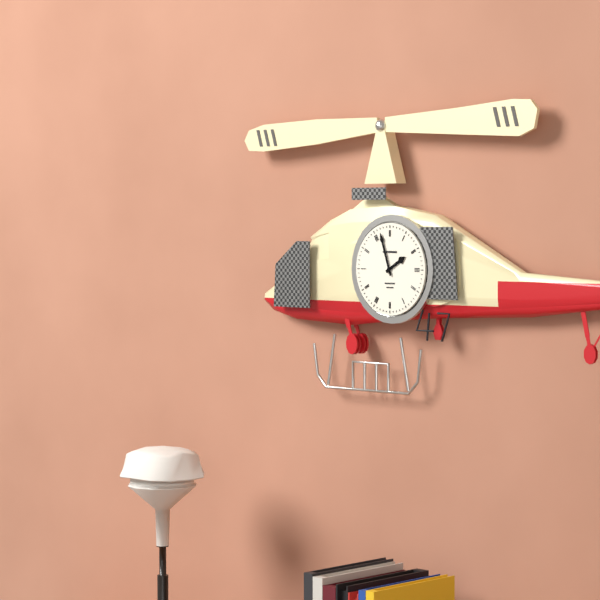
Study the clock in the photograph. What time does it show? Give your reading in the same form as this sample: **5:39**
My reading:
**1:57**
